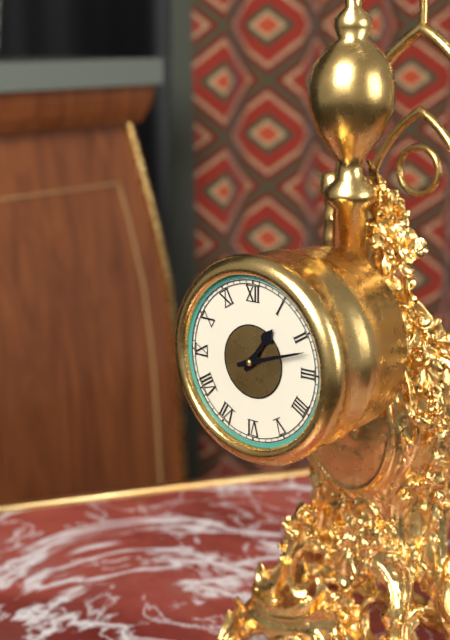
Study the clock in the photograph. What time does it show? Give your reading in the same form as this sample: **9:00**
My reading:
**1:12**
